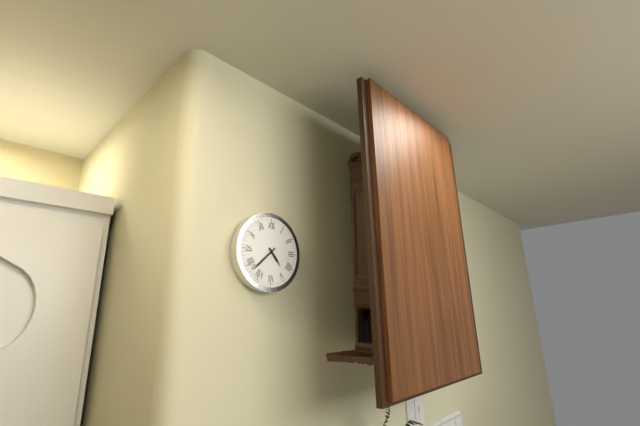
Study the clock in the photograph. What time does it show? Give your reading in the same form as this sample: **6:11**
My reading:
**4:38**
